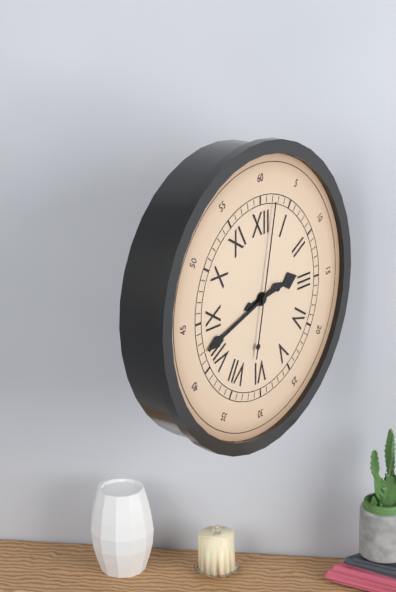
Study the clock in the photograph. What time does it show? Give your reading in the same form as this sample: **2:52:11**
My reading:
**2:42:02**
